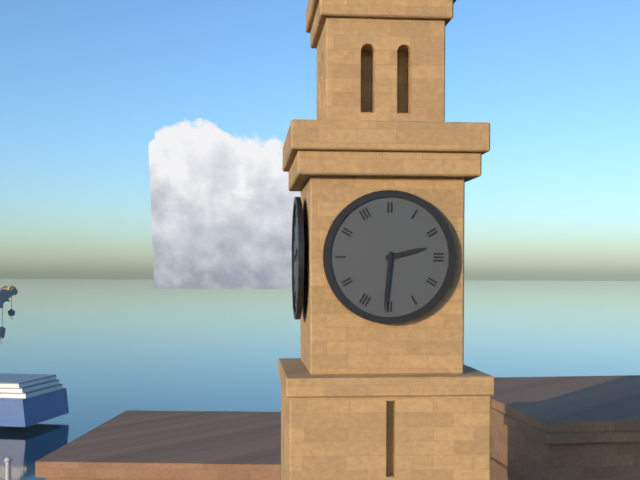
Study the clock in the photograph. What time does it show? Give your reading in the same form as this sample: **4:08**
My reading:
**2:31**
